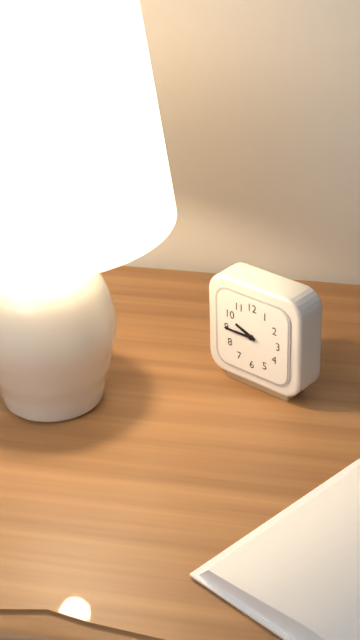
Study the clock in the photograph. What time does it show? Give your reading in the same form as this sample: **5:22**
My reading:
**9:45**
